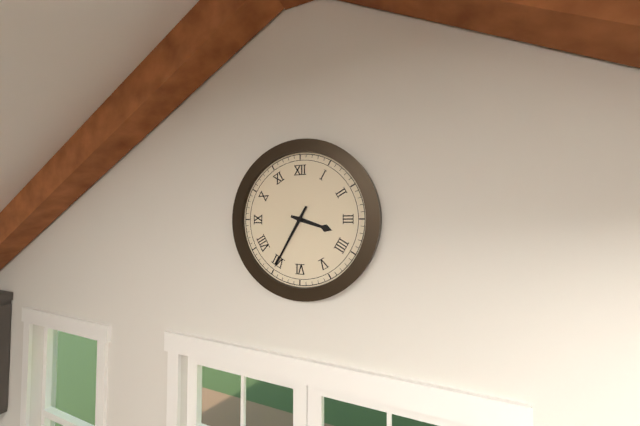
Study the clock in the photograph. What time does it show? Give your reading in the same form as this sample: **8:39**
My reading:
**3:35**
